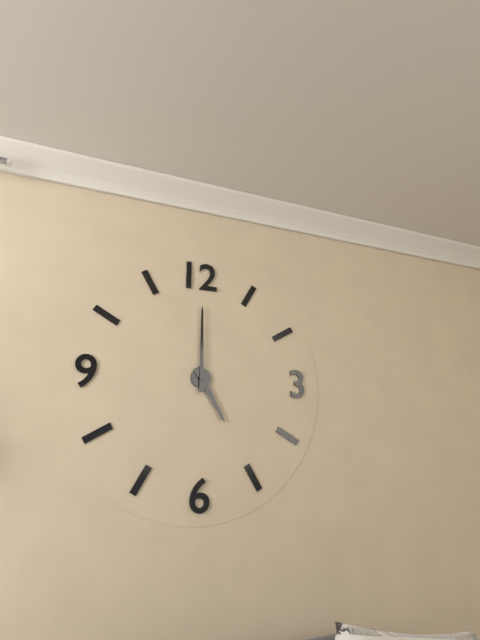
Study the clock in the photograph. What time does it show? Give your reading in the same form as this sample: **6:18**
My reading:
**5:00**
